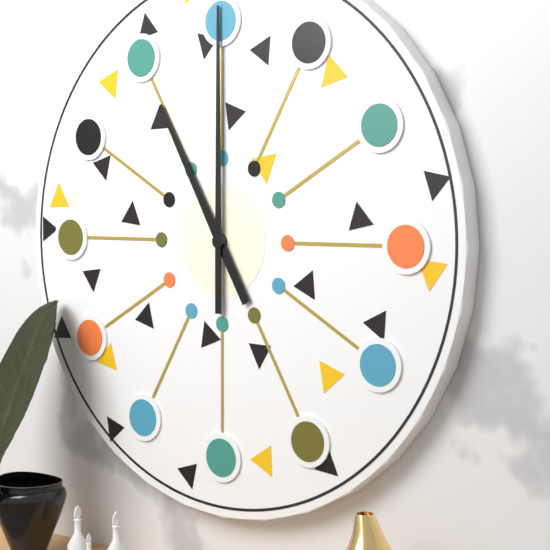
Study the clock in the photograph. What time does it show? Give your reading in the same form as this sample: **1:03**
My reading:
**11:00**
